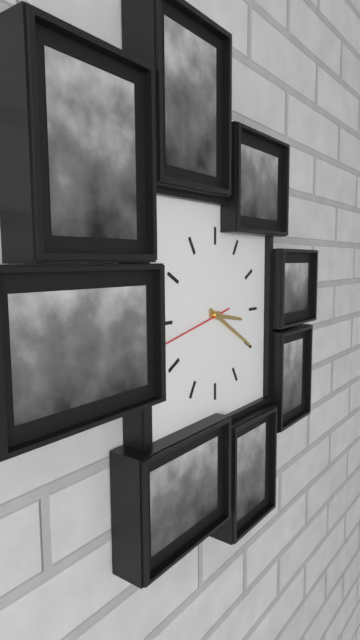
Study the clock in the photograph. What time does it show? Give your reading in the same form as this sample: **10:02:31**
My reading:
**3:20:43**
